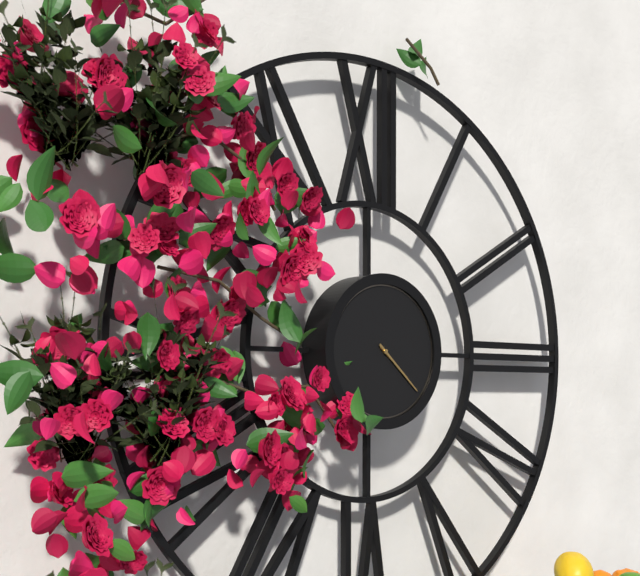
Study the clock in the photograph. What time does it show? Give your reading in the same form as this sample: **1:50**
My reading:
**4:22**
